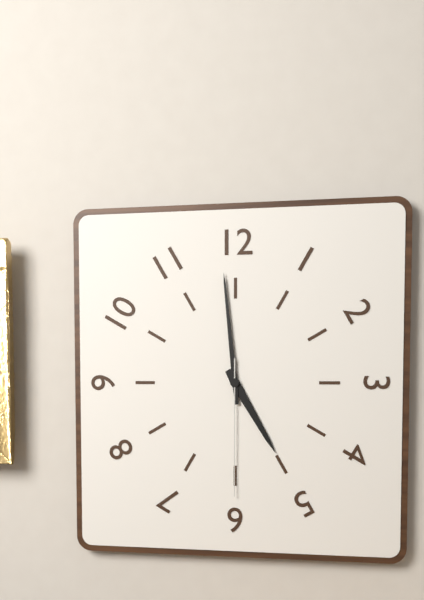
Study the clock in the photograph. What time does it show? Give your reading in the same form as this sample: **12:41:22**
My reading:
**4:59:30**
